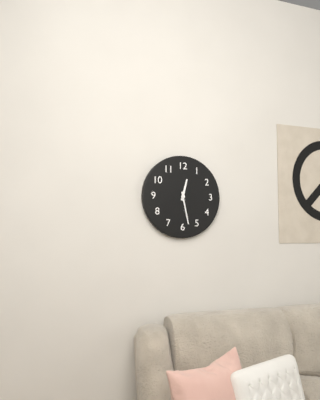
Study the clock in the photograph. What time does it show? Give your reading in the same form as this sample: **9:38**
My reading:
**12:28**
